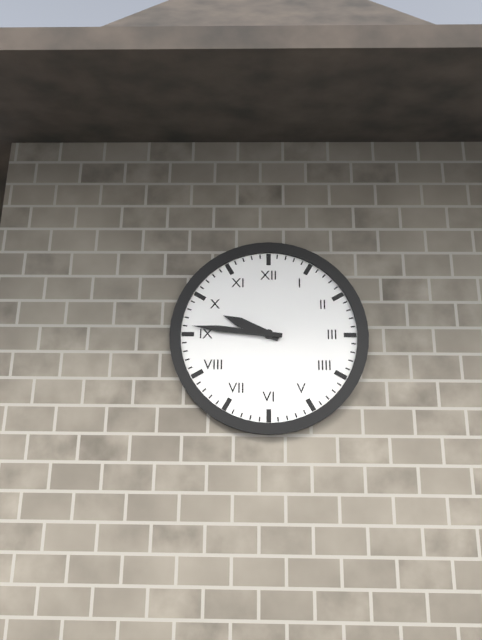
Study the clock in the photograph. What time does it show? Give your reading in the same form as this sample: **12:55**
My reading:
**9:46**
